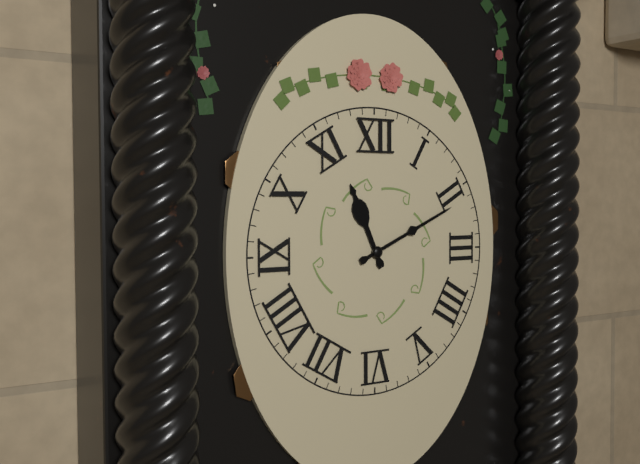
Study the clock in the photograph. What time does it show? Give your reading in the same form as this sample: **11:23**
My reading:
**11:11**
